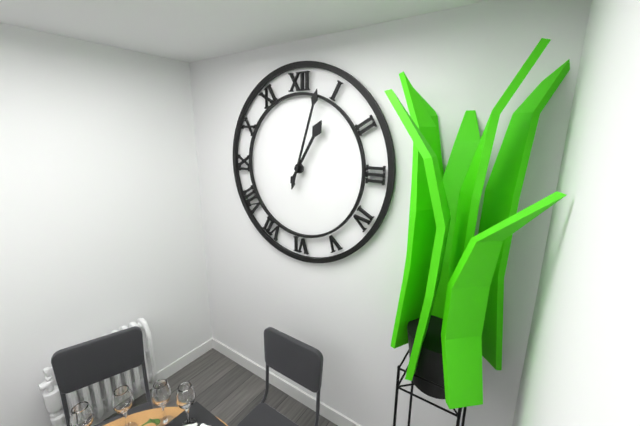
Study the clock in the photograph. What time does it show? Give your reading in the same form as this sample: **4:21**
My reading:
**1:03**
